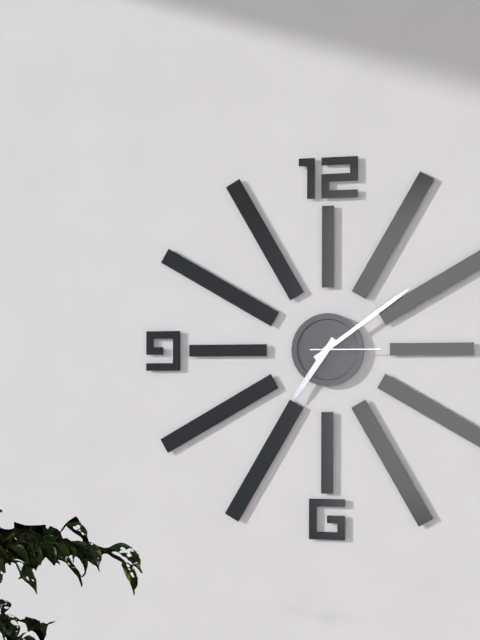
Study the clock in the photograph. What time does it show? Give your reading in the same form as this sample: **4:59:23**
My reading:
**7:09:15**
